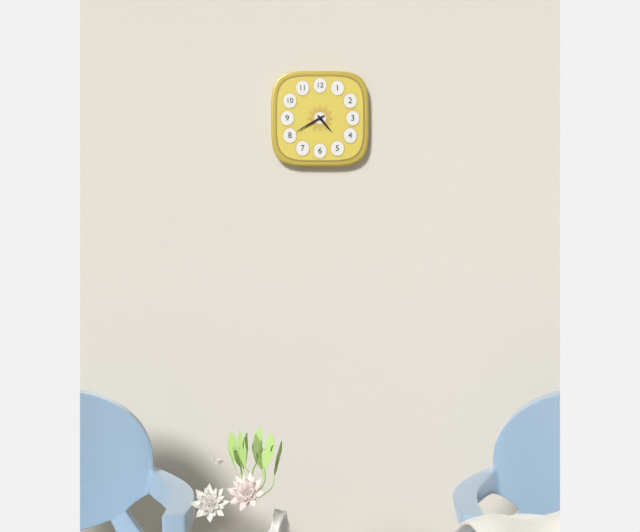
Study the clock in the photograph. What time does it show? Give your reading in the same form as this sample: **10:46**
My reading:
**4:40**
